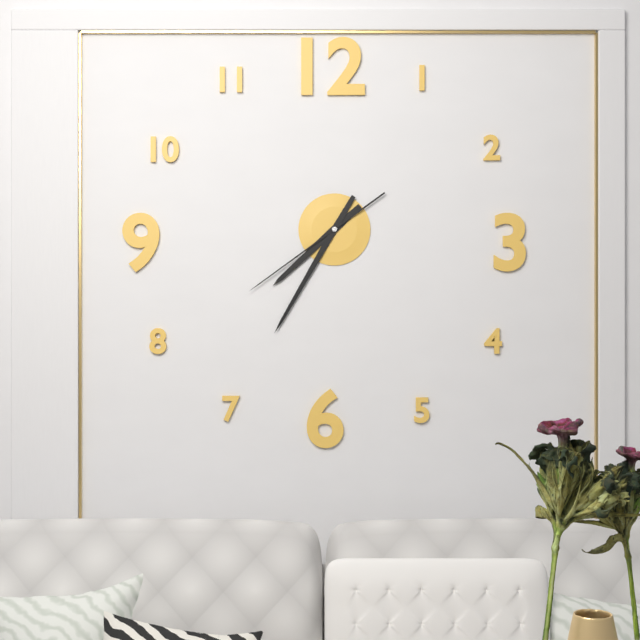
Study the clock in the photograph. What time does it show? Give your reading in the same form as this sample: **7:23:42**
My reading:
**7:35:39**
